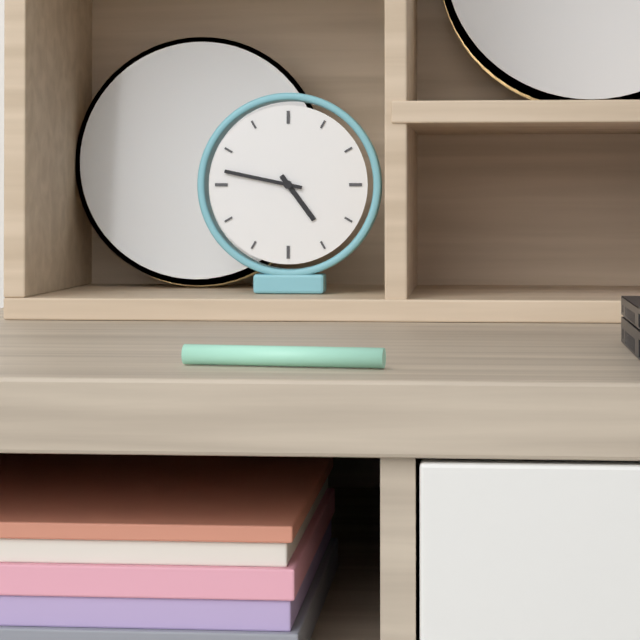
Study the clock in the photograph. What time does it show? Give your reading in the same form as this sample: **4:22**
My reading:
**4:47**
